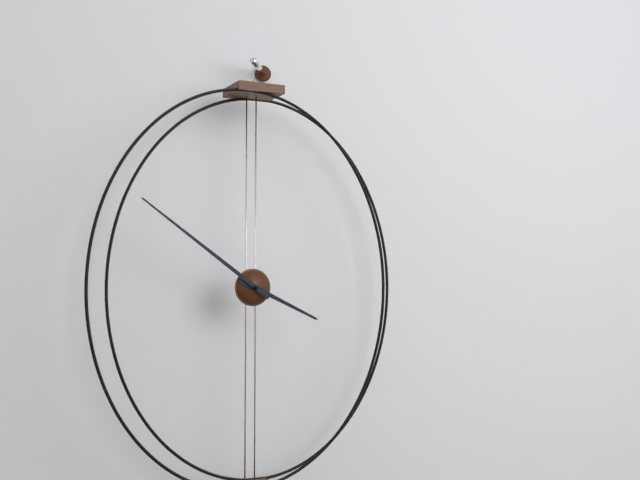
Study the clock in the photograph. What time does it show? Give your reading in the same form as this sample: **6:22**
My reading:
**3:51**
